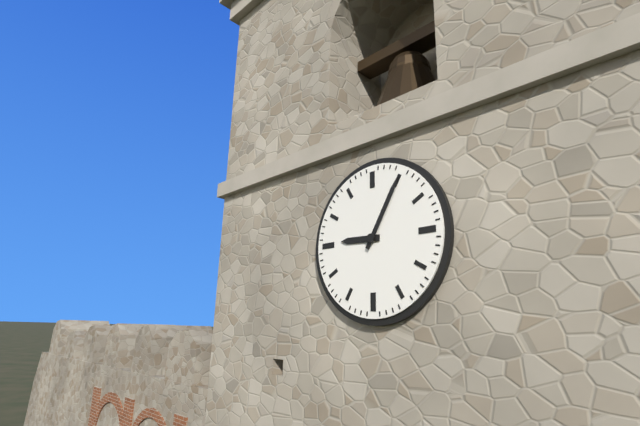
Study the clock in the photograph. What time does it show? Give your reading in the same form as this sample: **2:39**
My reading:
**9:05**
